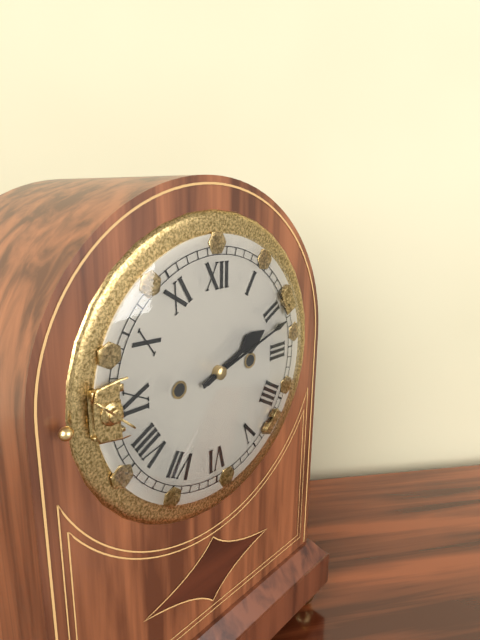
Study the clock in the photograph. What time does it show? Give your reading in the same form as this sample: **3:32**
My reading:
**2:12**
